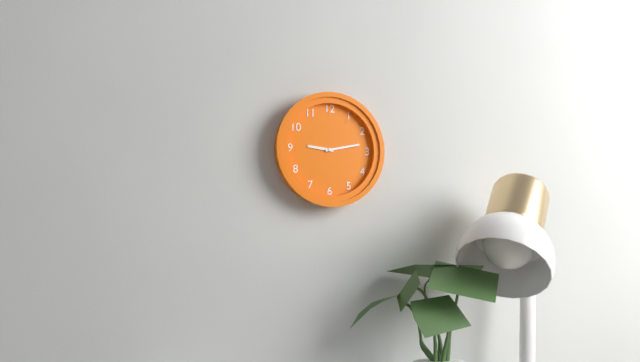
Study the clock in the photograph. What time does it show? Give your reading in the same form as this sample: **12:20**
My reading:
**9:13**
